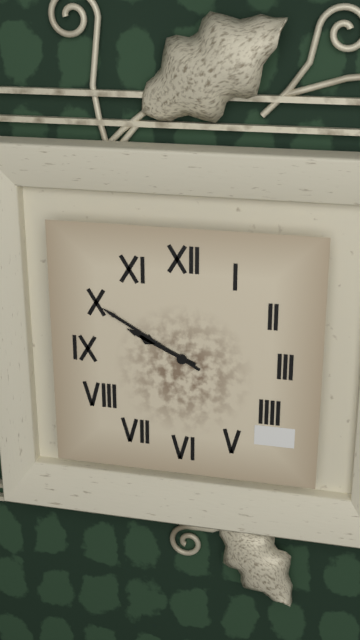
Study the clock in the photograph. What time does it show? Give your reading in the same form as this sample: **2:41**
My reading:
**9:50**
